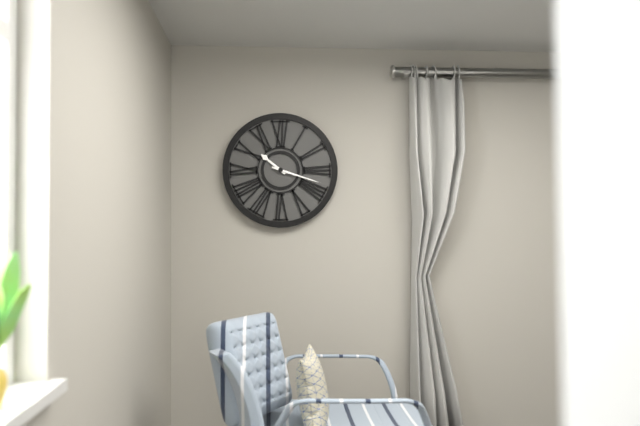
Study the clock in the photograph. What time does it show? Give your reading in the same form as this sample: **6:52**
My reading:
**10:18**
